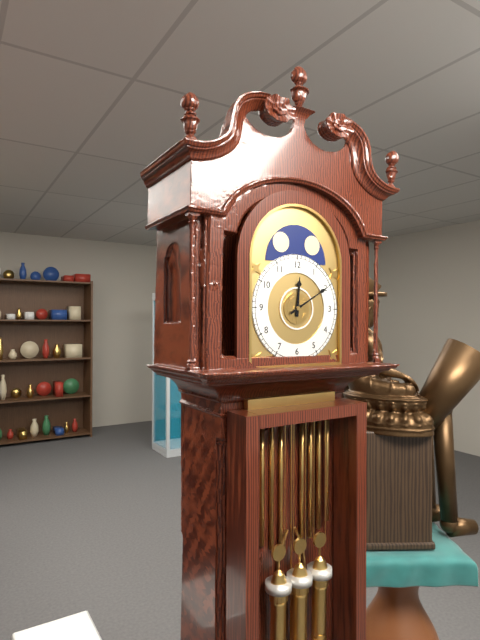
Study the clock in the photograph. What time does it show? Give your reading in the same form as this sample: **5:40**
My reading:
**12:10**
